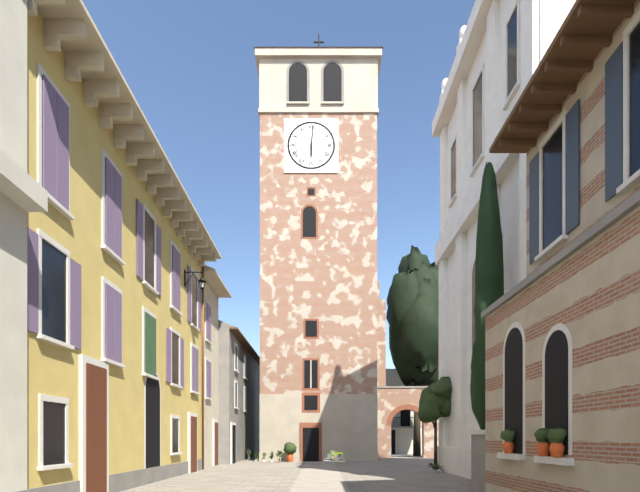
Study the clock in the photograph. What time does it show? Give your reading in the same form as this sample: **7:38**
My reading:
**6:01**
